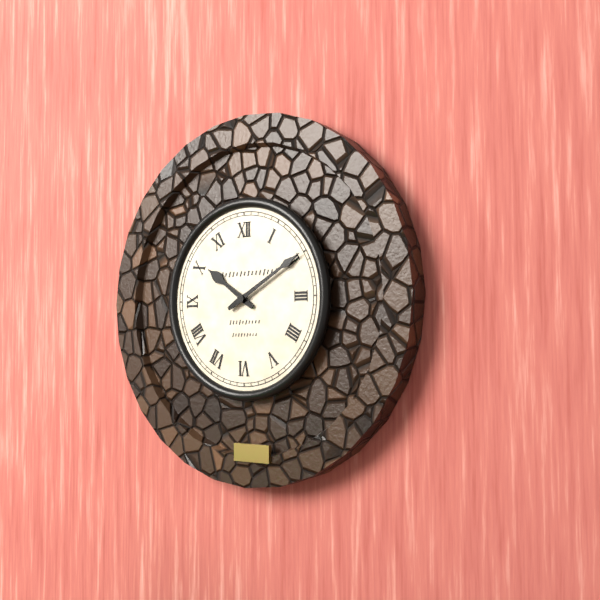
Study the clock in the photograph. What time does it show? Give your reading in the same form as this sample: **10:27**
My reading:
**10:10**
